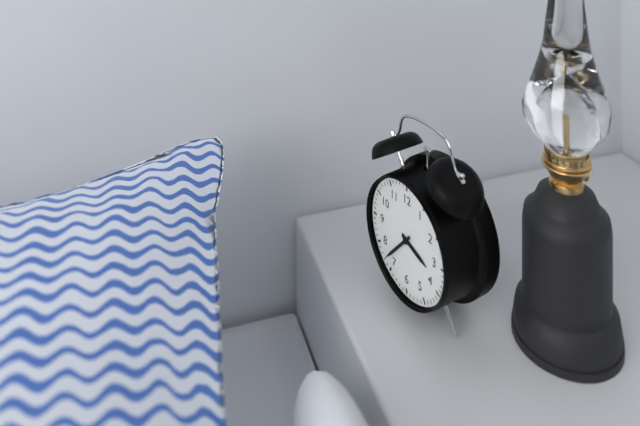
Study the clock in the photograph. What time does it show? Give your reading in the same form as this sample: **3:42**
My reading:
**3:37**
